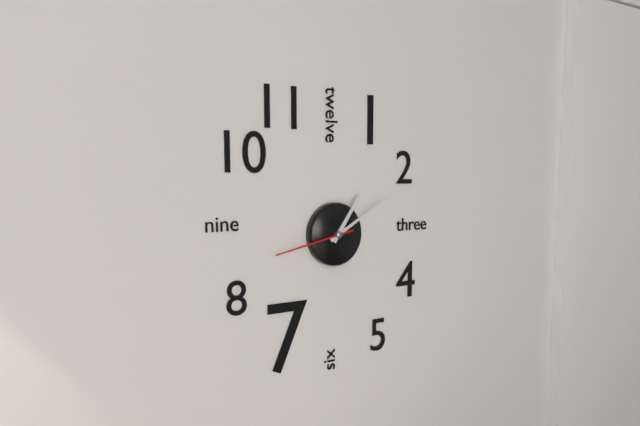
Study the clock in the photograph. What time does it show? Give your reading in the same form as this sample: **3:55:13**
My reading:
**1:10:43**
